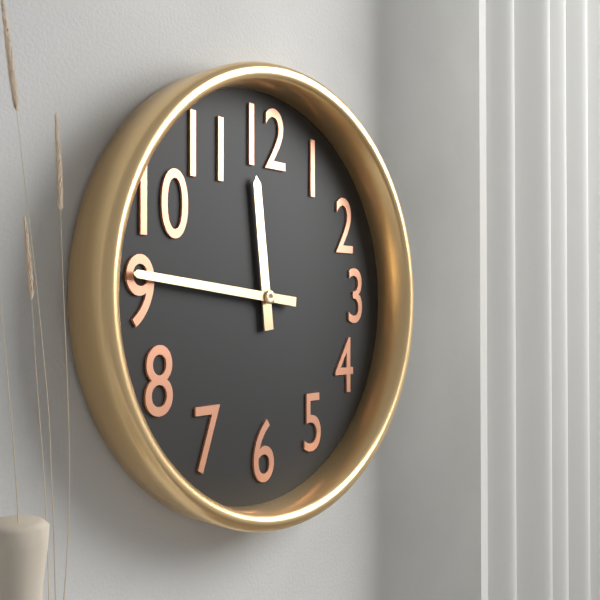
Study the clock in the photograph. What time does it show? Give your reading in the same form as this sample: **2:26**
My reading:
**11:46**
